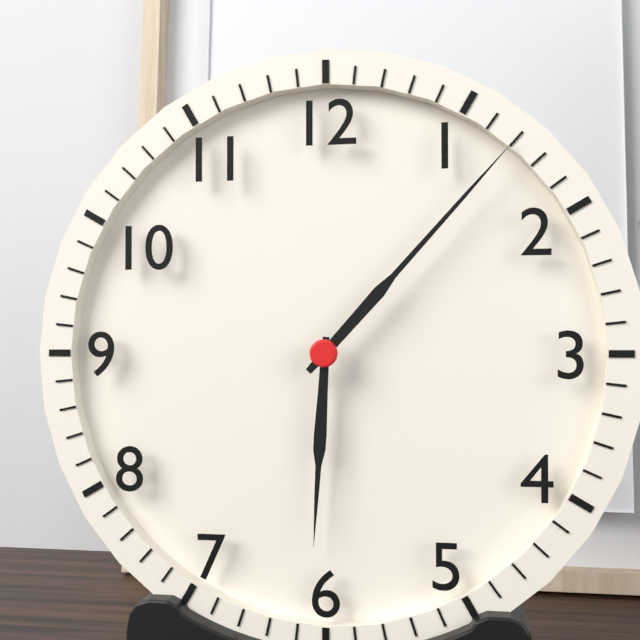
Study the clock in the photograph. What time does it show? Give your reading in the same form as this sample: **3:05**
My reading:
**6:07**
